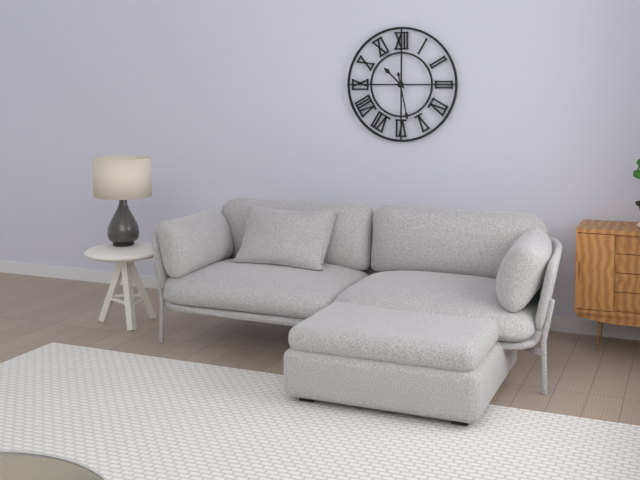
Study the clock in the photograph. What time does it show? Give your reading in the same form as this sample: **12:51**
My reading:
**10:28**
